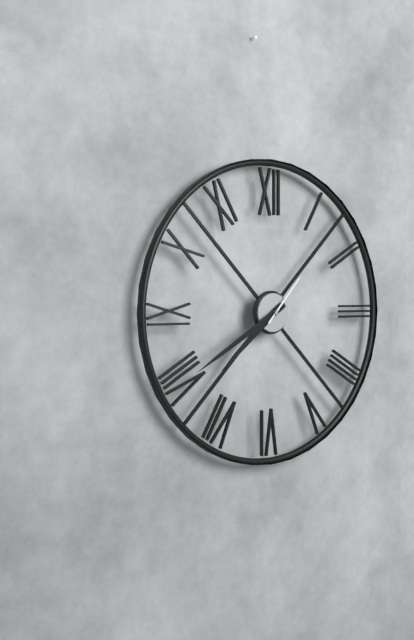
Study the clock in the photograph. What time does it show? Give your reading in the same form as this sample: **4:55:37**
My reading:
**7:40:07**
